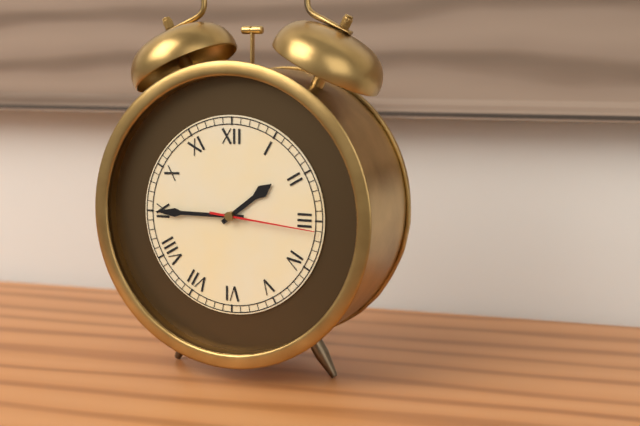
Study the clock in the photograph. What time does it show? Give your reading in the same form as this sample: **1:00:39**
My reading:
**1:45:16**
